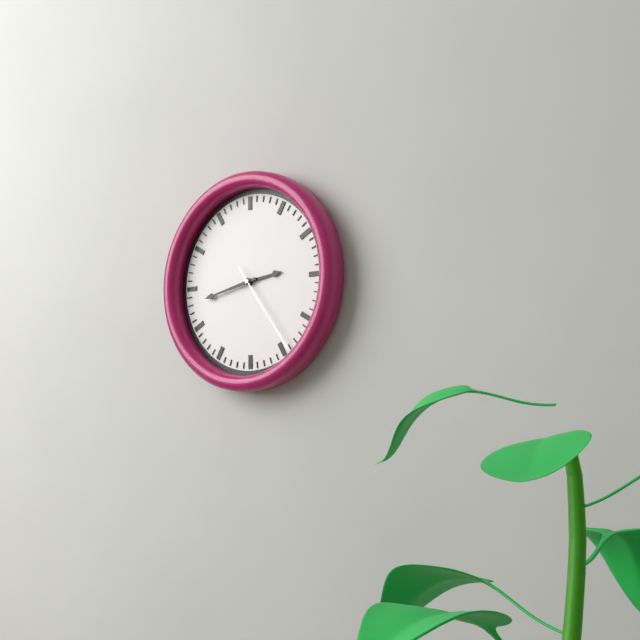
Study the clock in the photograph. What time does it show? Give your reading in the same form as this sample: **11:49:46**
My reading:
**2:43:24**
